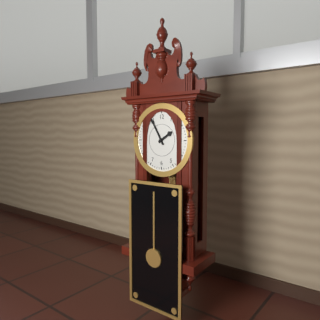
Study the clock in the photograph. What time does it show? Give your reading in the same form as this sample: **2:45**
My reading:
**1:55**
